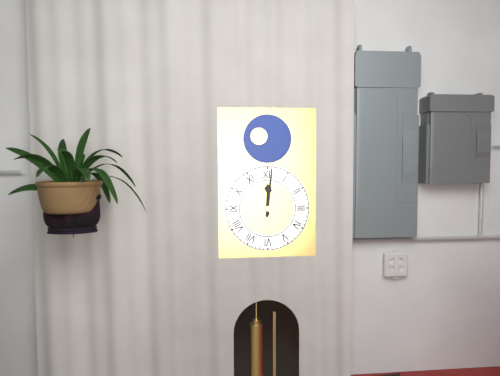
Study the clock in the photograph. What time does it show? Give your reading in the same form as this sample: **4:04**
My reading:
**12:01**
